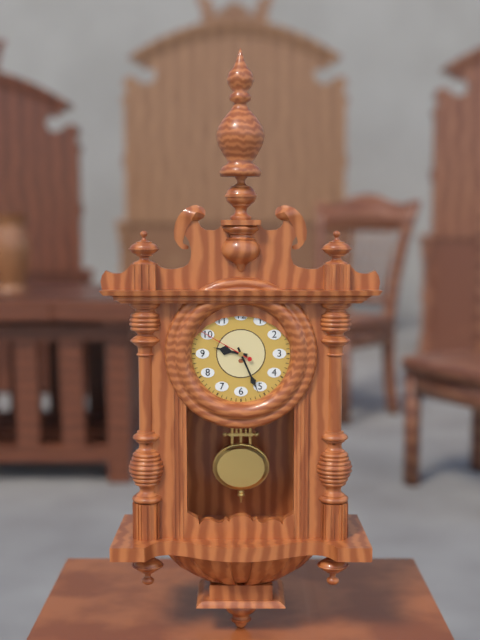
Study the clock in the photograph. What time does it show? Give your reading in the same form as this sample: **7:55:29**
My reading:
**9:26:50**
